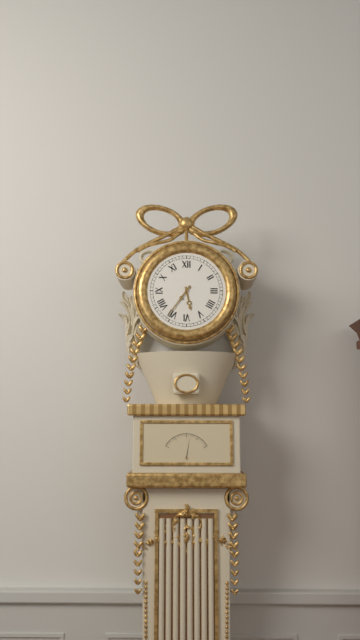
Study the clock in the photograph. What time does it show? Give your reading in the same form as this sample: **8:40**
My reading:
**5:36**
